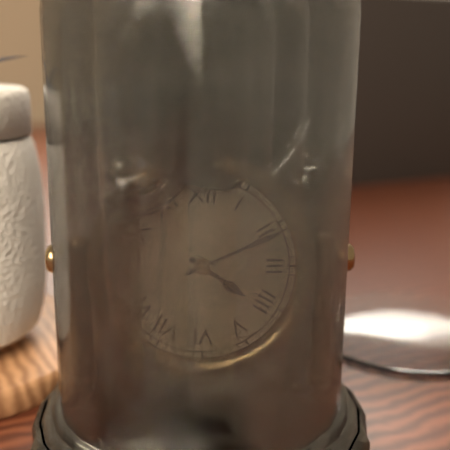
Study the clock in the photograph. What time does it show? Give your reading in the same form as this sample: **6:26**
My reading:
**4:11**
